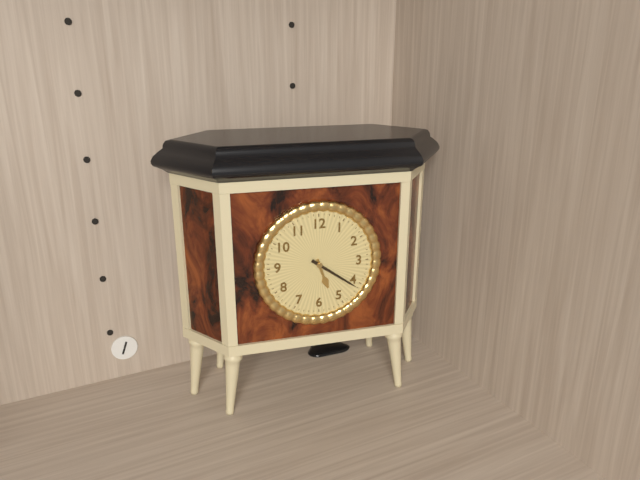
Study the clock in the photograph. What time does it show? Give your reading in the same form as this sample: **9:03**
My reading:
**5:21**
